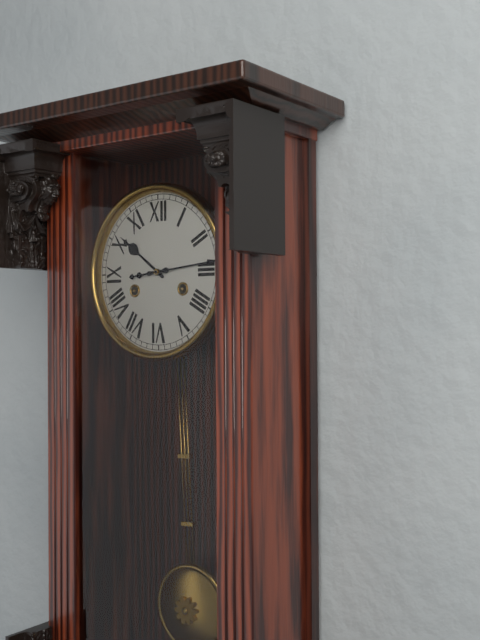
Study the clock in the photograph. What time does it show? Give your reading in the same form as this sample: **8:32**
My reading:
**10:14**
